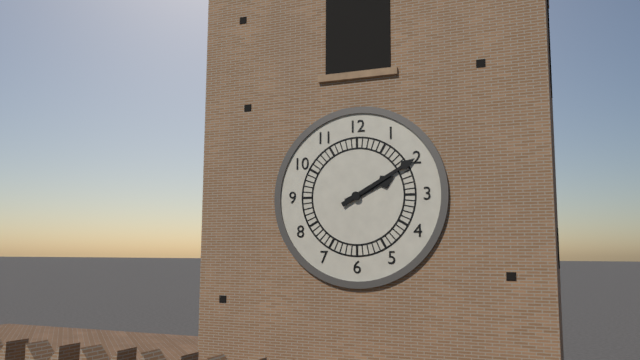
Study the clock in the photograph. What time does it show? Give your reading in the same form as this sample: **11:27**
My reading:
**2:10**
